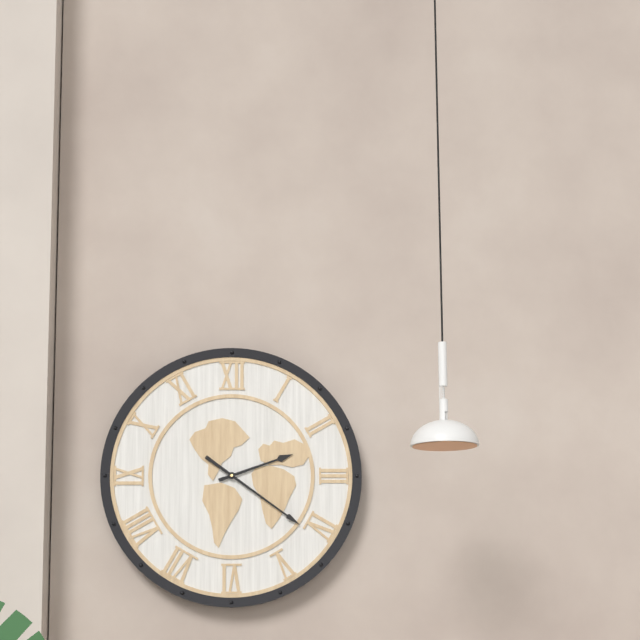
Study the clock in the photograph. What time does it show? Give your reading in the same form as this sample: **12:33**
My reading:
**2:21**
